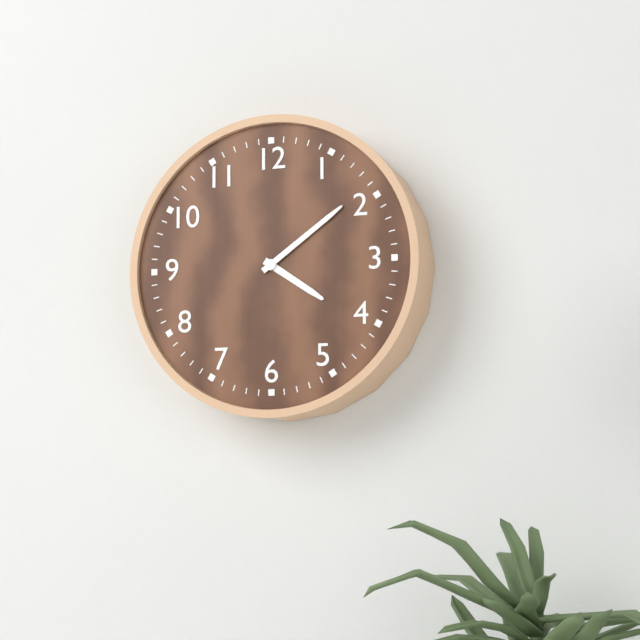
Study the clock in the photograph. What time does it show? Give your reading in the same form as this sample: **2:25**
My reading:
**4:09**
